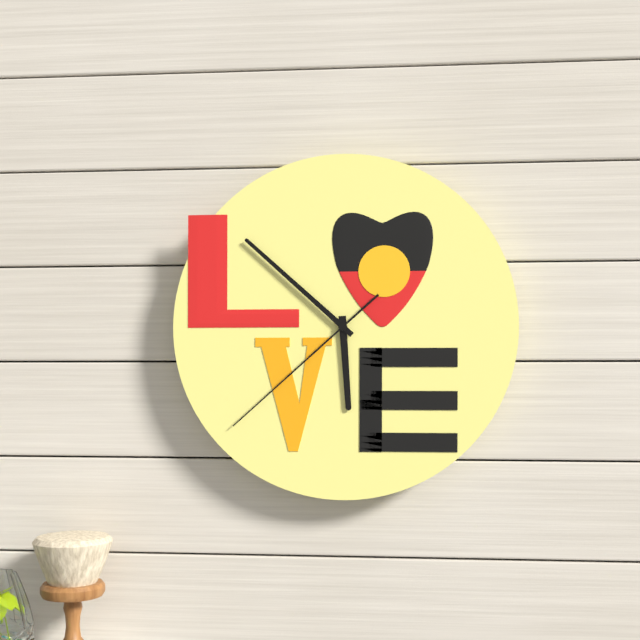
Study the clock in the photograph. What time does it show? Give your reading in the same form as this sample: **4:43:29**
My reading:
**5:52:38**
